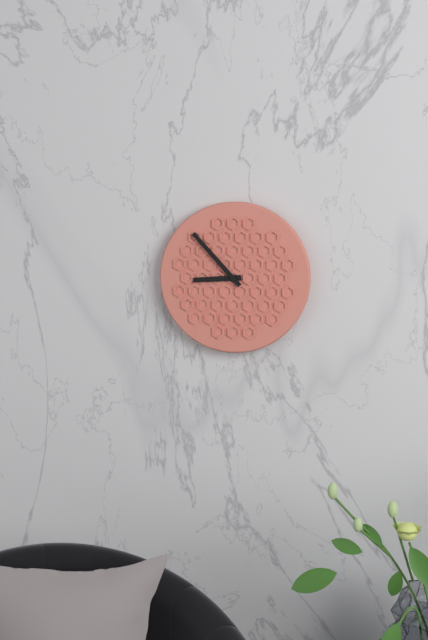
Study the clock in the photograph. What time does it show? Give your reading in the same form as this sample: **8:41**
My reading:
**8:53**
